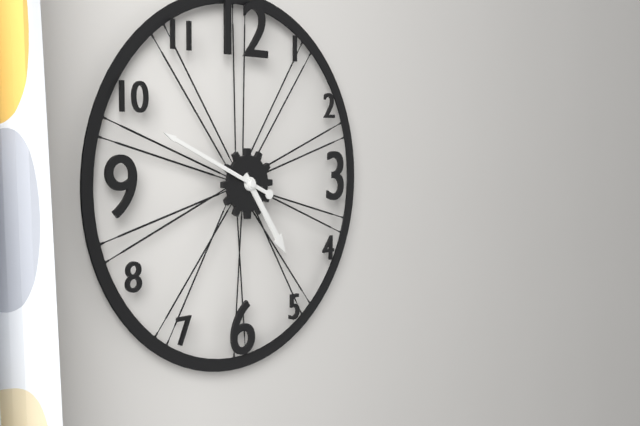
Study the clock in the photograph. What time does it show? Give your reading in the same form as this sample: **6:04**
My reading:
**4:49**
